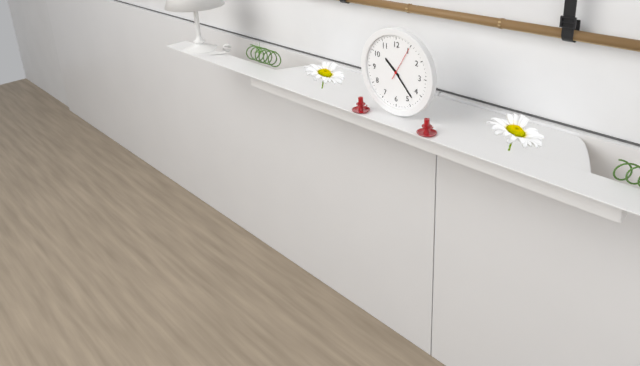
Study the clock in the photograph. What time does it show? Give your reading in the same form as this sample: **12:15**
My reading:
**10:23**
